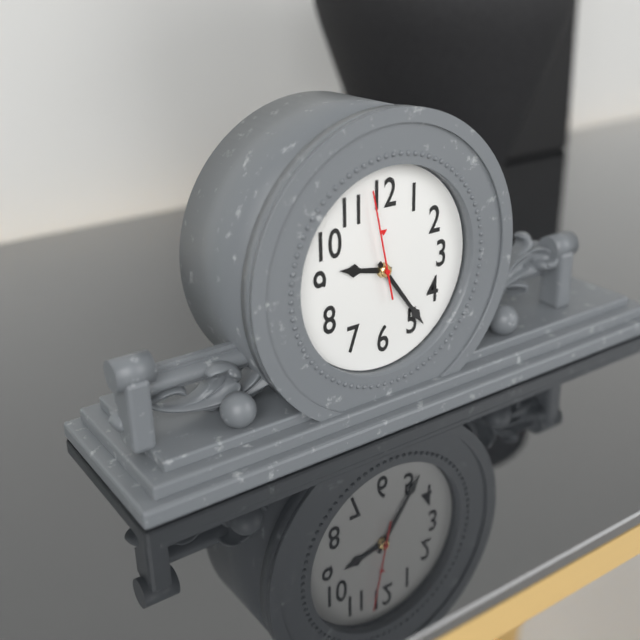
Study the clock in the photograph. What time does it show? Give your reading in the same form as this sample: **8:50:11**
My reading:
**9:24:58**
